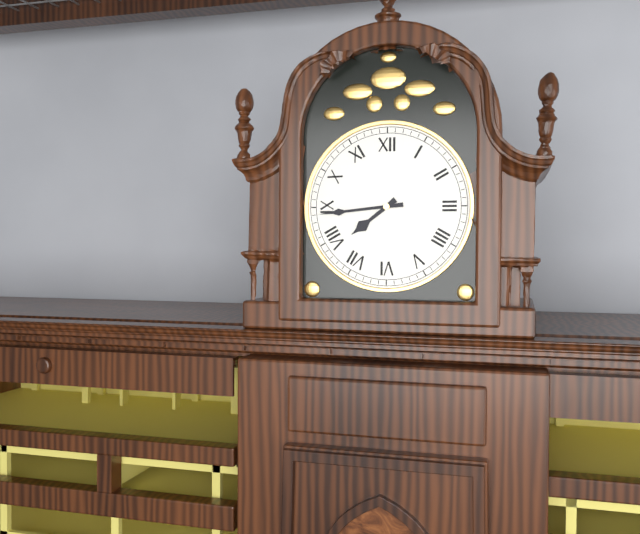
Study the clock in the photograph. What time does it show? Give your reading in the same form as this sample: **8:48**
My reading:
**7:44**
